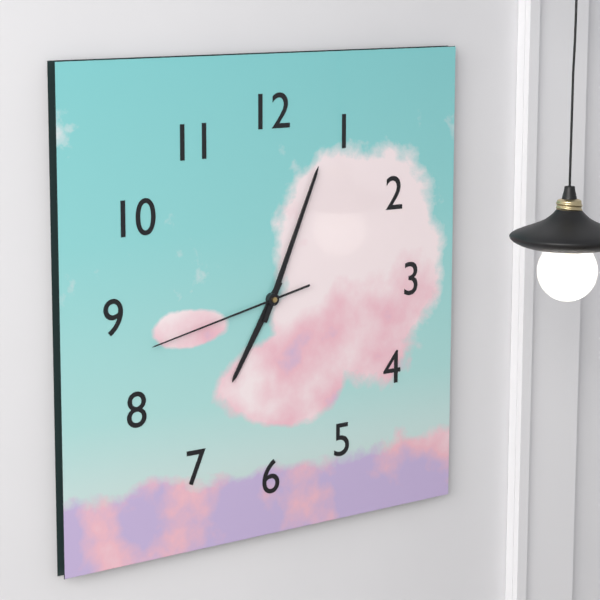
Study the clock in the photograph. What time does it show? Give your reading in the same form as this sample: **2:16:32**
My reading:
**7:04:43**
